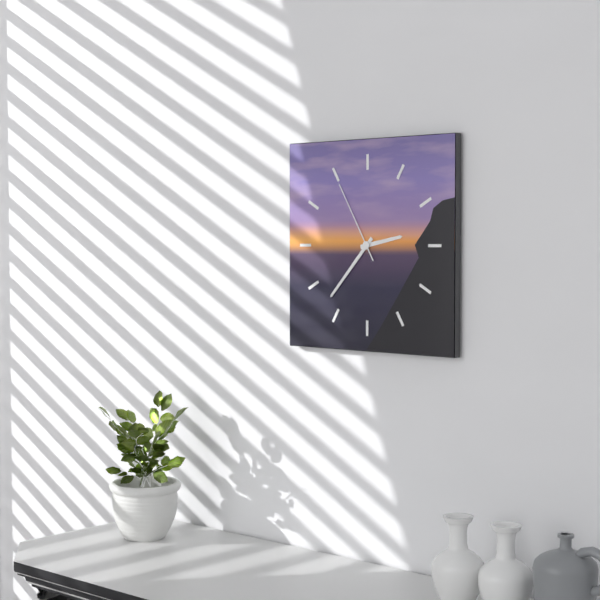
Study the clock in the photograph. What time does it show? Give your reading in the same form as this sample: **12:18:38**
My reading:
**2:37:55**
